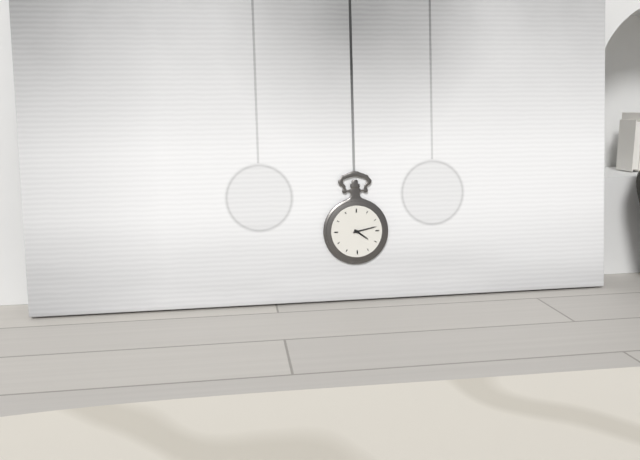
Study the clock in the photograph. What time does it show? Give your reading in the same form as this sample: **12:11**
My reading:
**4:13**
